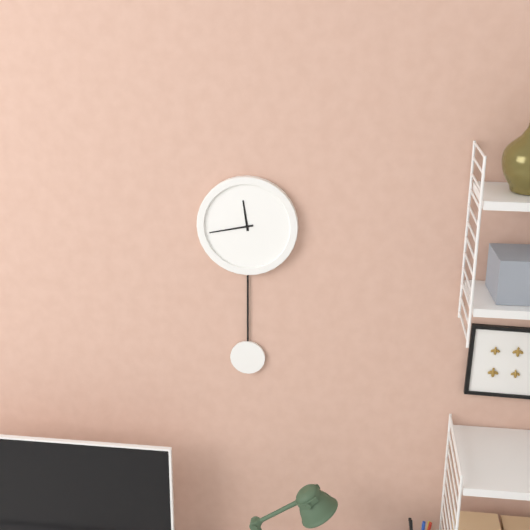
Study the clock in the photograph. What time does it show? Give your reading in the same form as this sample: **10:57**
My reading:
**11:43**
